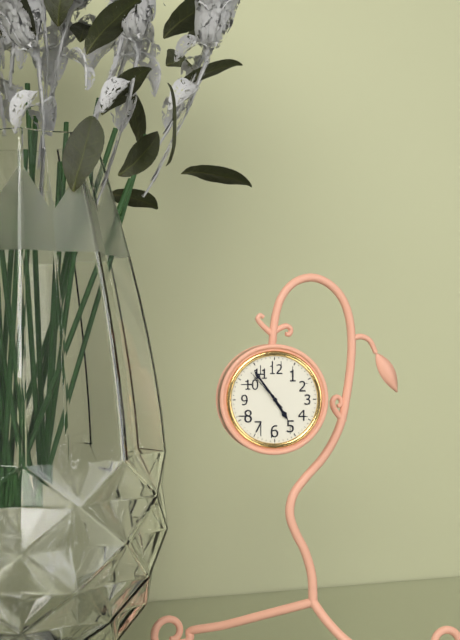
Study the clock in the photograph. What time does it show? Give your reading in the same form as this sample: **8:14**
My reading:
**4:54**
